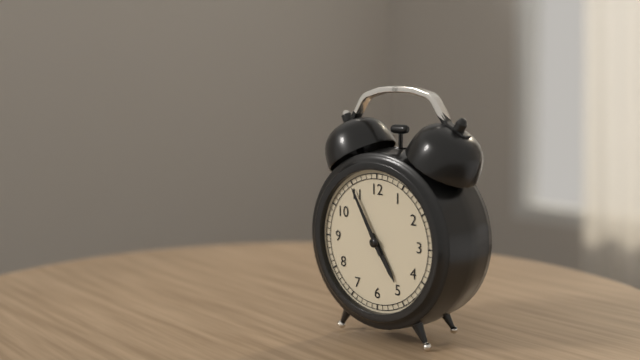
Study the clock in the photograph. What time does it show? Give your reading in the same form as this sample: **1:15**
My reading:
**4:55**
